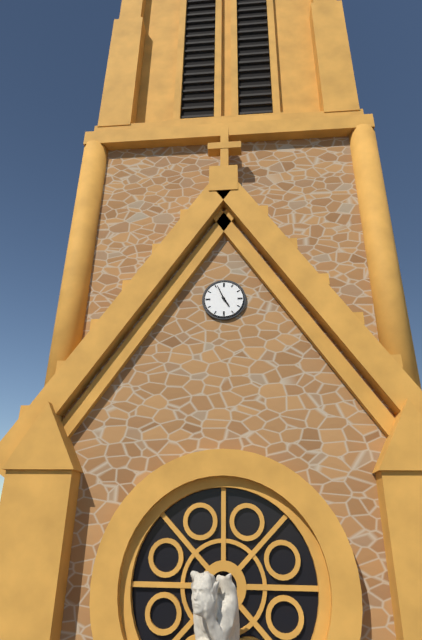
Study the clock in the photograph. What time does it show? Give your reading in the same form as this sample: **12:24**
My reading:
**4:56**
